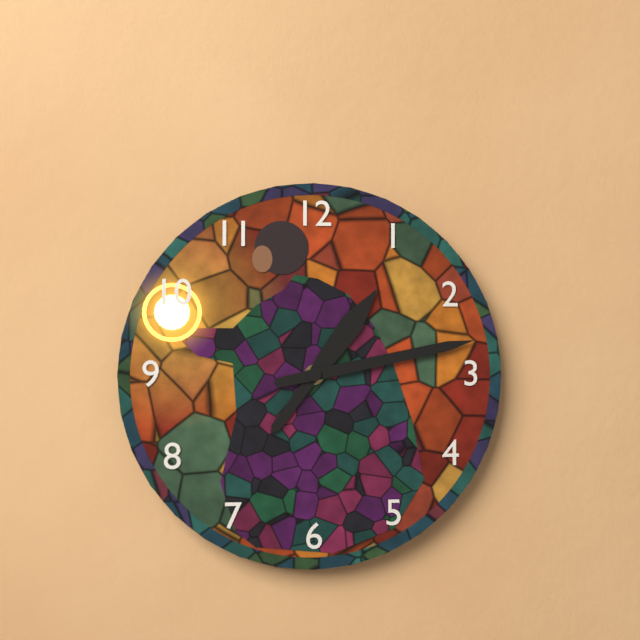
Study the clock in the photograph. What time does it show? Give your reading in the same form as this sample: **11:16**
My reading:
**1:13**
